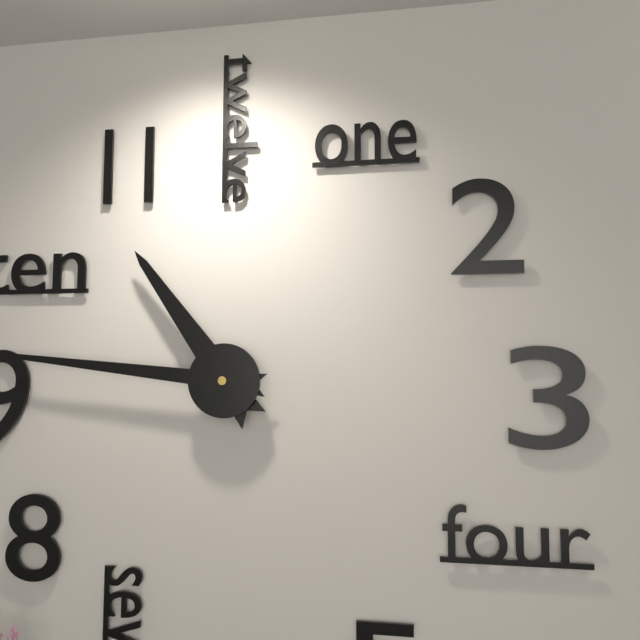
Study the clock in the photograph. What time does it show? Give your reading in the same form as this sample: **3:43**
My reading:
**10:46**
